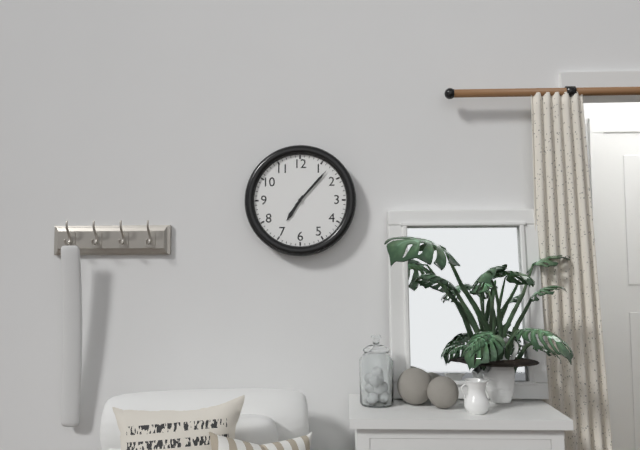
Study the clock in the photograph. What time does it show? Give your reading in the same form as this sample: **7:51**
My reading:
**7:07**
